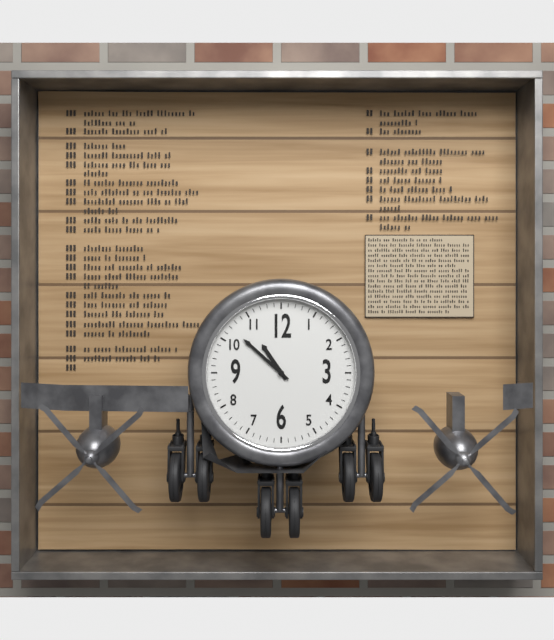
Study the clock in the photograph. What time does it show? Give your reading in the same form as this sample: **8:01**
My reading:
**10:52**
